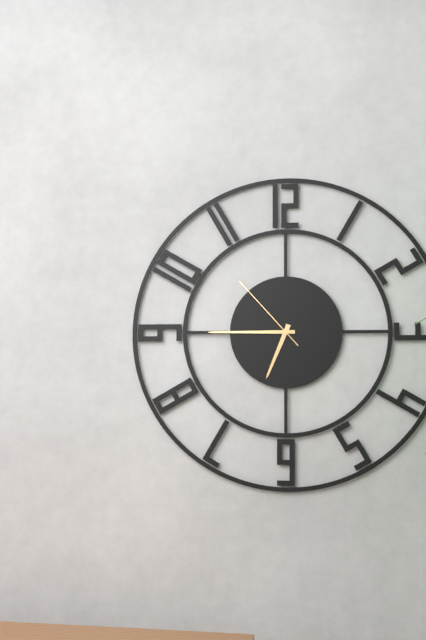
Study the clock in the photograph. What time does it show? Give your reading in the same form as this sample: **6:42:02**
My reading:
**6:45:53**
